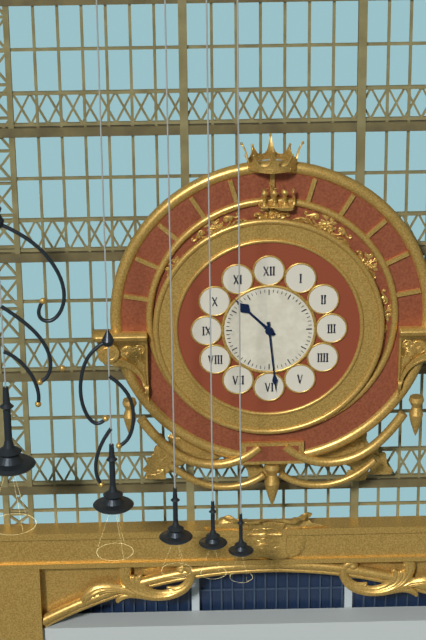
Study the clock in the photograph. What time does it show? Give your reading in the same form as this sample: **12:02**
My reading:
**10:29**
